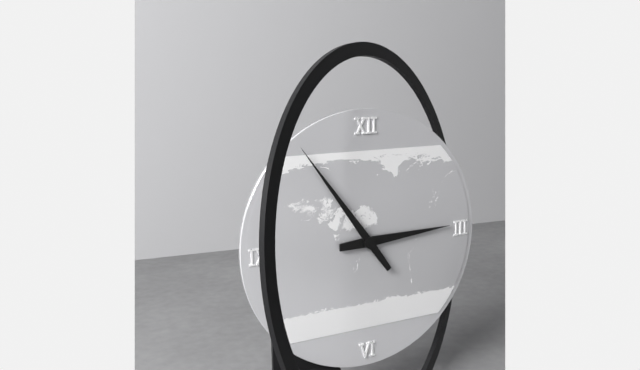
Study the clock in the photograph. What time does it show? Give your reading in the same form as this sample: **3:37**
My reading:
**2:54**
